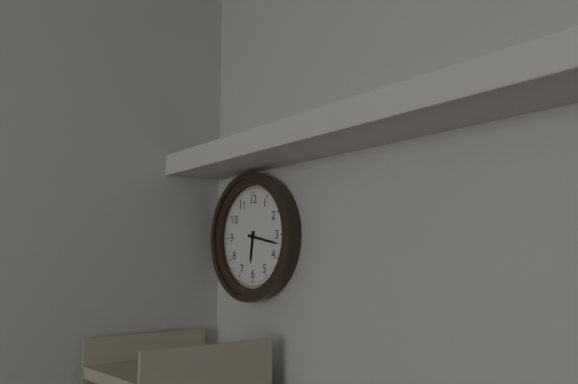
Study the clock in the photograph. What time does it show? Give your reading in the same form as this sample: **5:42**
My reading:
**6:17**
